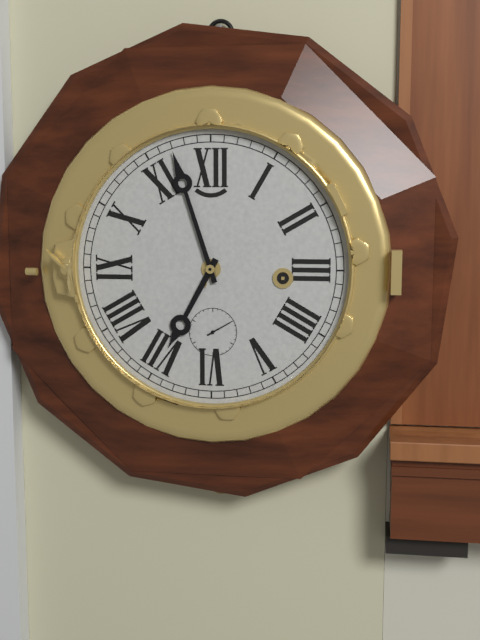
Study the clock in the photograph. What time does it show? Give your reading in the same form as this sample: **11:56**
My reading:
**6:57**
